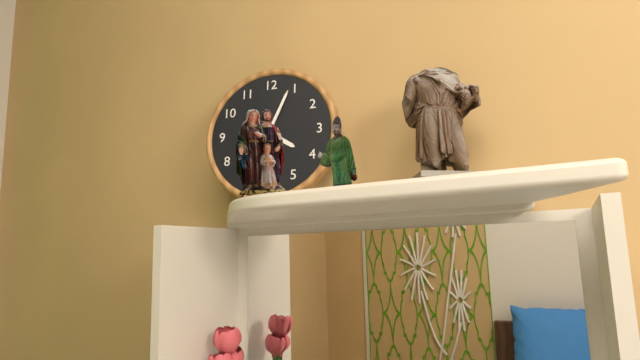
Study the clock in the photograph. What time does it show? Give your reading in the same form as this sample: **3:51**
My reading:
**4:04**
